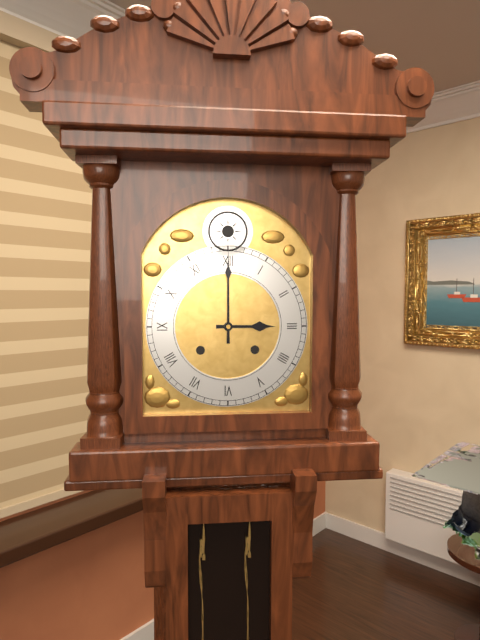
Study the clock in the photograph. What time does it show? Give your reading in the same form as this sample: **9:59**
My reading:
**3:00**
